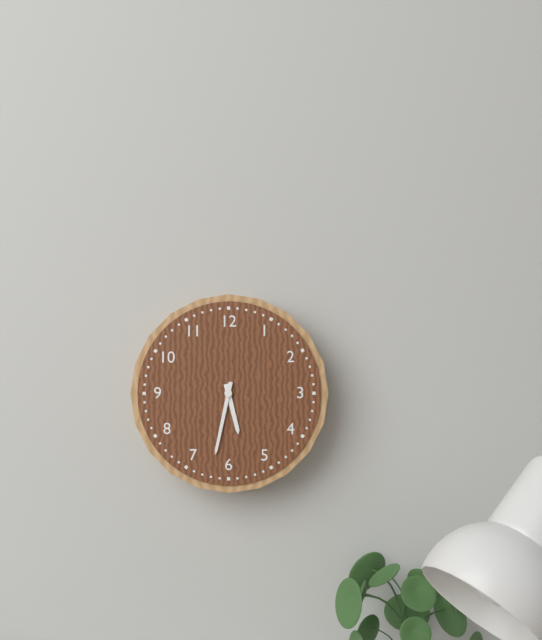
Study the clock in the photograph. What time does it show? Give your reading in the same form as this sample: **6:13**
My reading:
**5:32**
